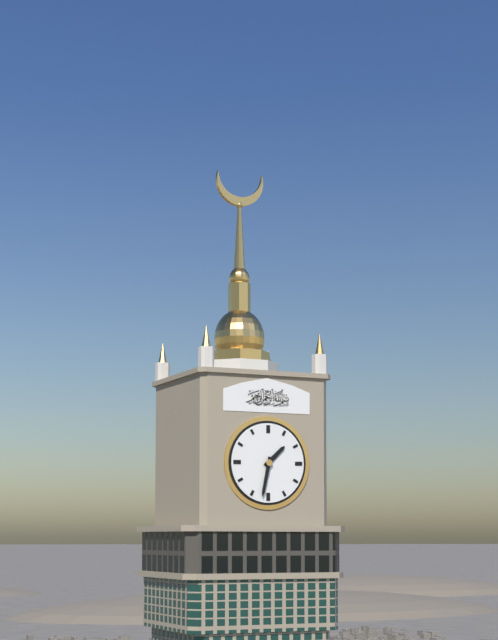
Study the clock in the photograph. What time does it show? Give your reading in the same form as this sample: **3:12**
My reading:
**1:32**
